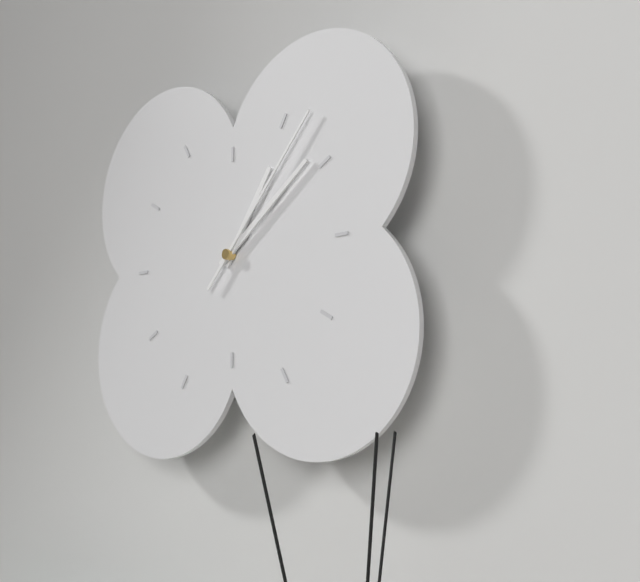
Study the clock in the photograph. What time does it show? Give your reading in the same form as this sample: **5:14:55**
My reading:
**1:09:07**
